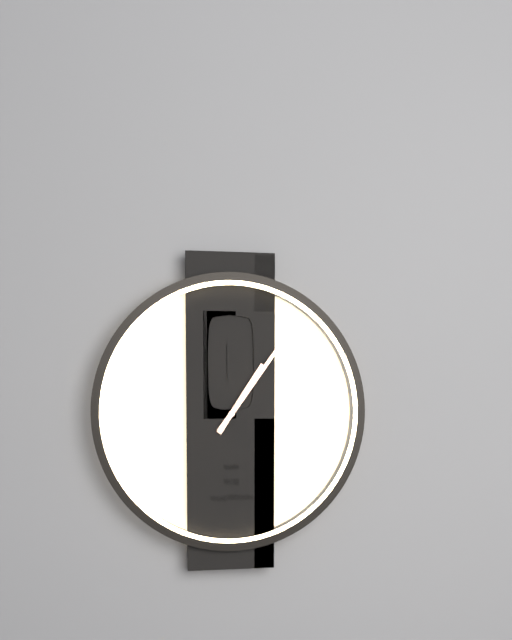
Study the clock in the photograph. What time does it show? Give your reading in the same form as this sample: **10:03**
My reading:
**1:06**
